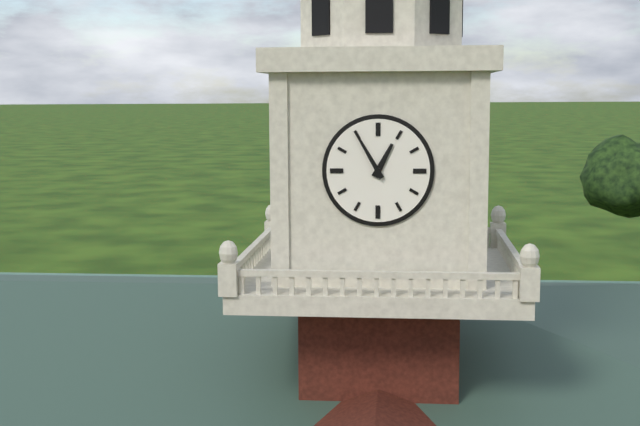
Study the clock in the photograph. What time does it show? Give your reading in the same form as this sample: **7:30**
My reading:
**12:55**
